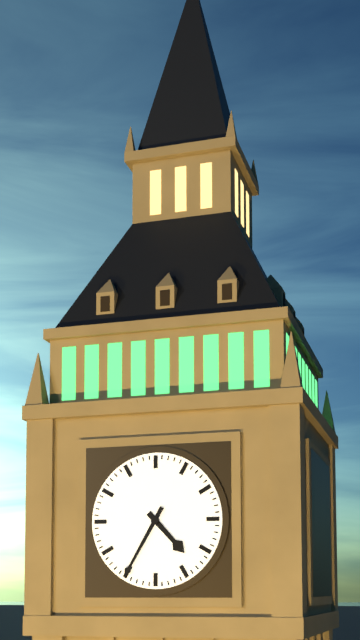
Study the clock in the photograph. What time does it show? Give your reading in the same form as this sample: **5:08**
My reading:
**4:35**
